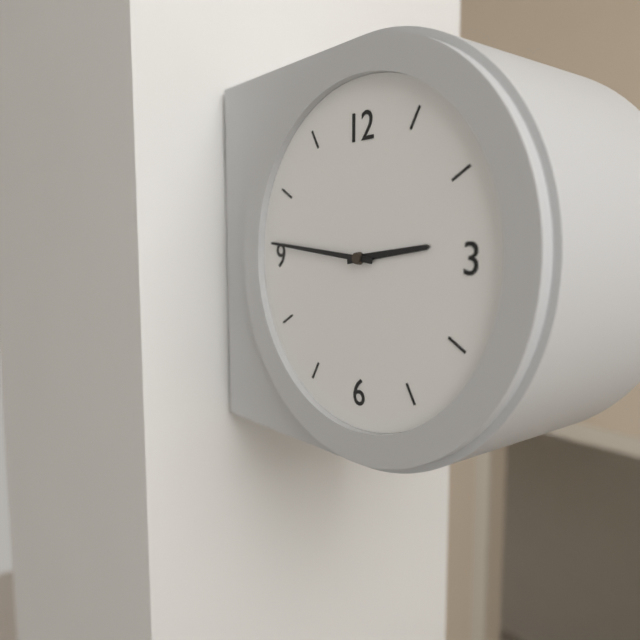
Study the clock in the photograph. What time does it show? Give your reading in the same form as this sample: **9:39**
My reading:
**2:46**
